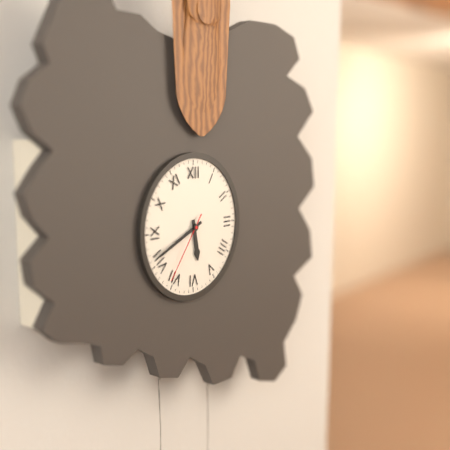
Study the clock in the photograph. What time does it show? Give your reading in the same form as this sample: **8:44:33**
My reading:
**5:41:36**
